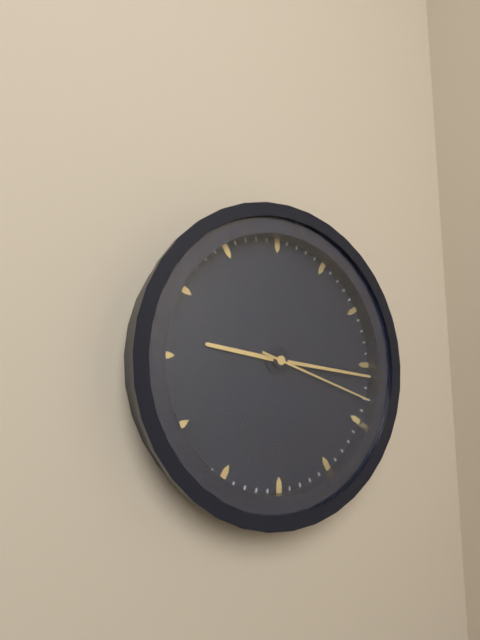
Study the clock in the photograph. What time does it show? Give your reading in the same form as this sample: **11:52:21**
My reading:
**9:16:18**
